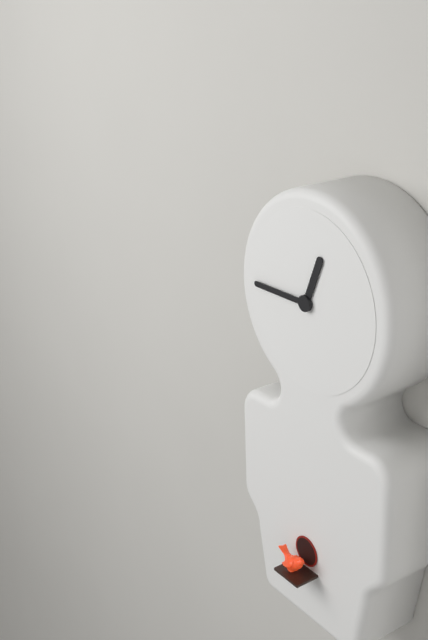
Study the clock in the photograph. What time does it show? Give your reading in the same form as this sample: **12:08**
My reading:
**12:45**
